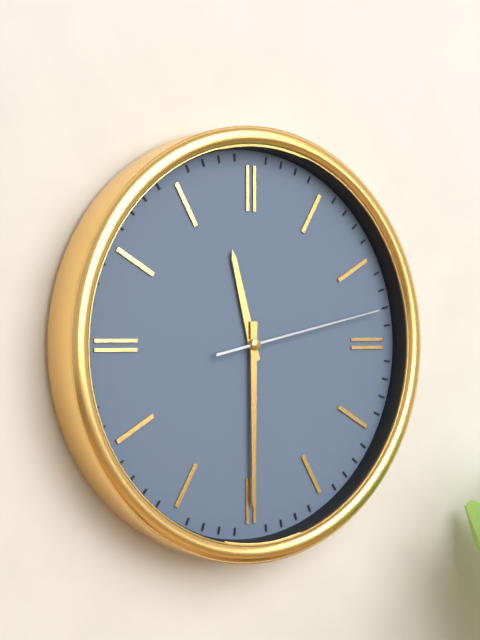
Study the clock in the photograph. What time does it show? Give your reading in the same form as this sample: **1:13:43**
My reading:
**11:30:13**
